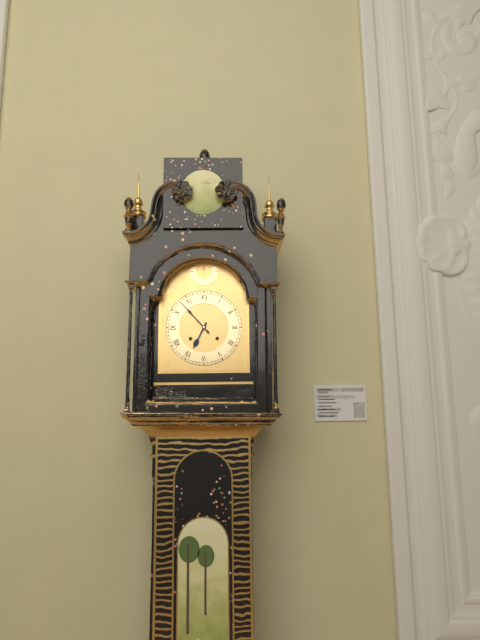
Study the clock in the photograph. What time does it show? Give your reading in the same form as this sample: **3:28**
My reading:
**6:53**
